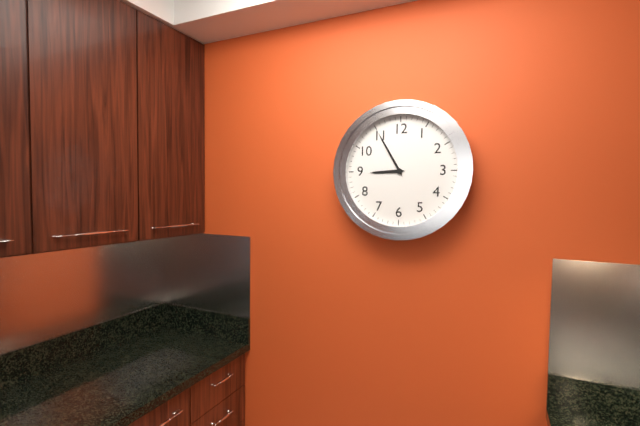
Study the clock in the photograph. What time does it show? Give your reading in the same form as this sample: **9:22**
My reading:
**8:55**
